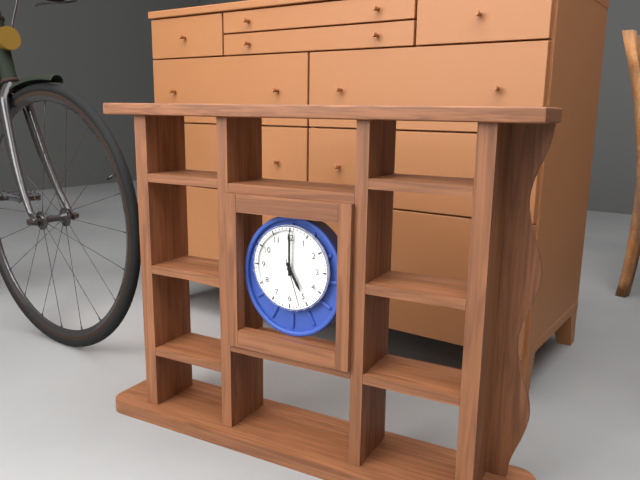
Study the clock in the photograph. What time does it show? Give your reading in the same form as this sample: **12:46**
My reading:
**5:00**
